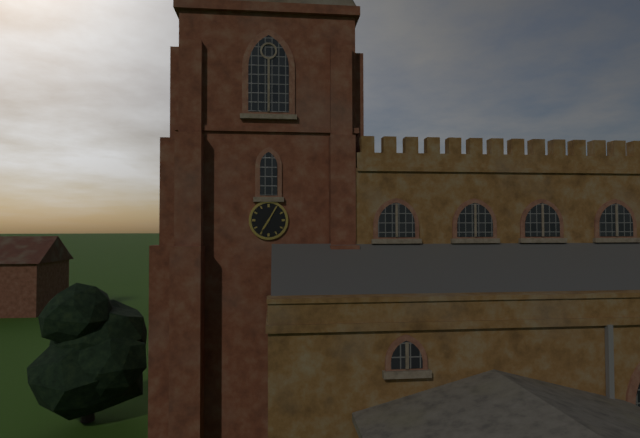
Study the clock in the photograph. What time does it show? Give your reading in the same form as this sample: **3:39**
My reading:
**7:05**
